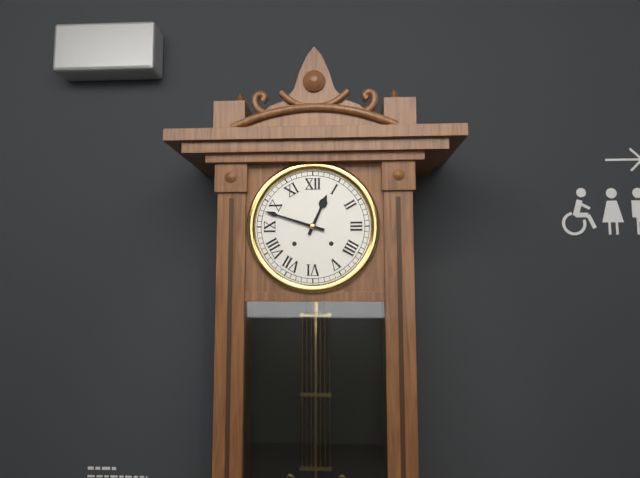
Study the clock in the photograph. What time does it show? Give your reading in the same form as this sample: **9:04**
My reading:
**12:48**
